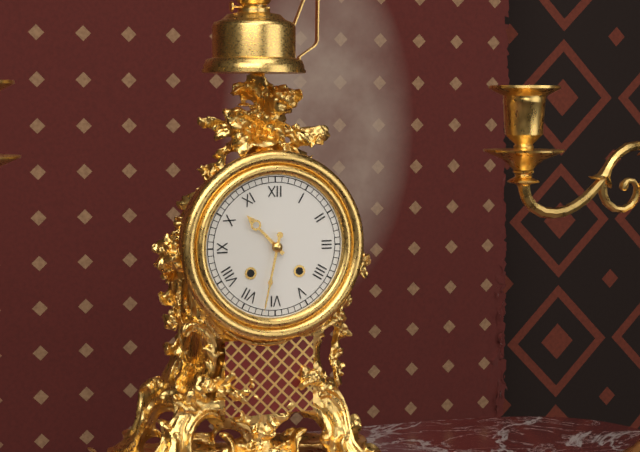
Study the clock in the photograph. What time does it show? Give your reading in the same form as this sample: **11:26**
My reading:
**10:32**
